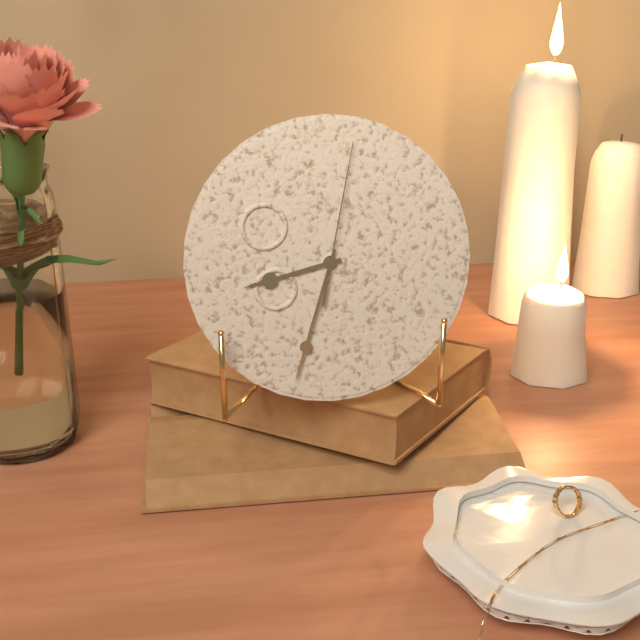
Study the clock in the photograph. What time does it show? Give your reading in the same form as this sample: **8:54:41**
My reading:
**8:33:02**
